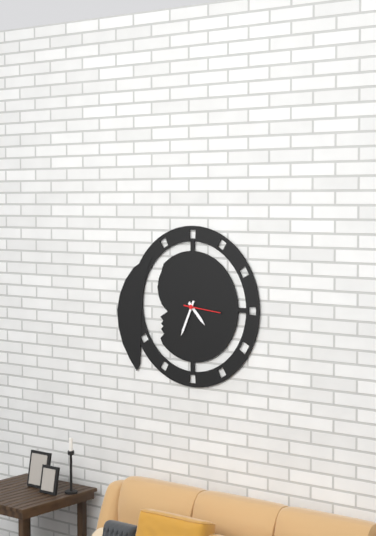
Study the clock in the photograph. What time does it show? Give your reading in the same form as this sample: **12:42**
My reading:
**4:34**
